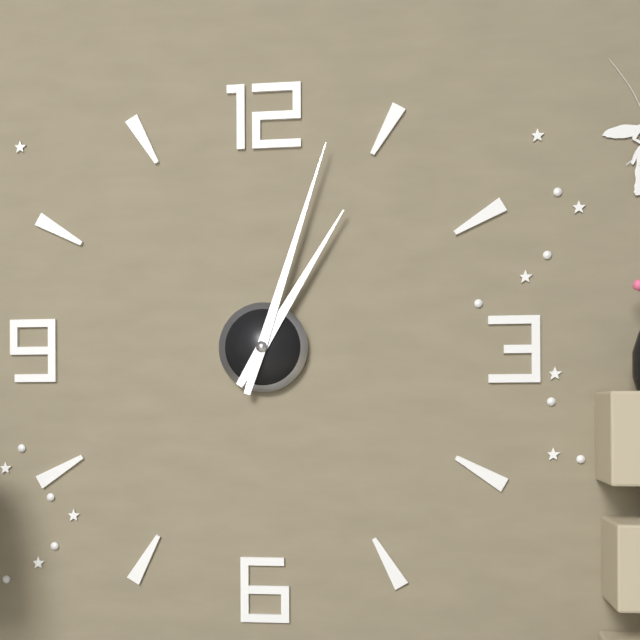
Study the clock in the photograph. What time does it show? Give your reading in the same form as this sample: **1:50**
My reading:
**1:03**
